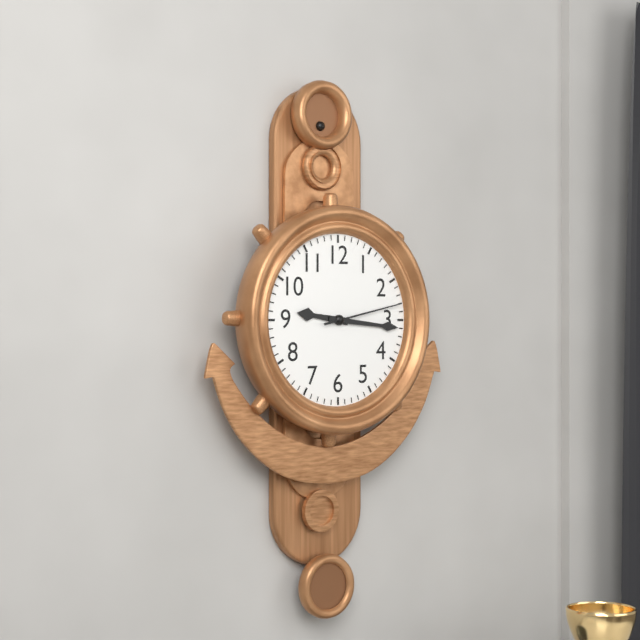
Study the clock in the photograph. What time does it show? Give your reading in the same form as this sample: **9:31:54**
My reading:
**9:16:13**
